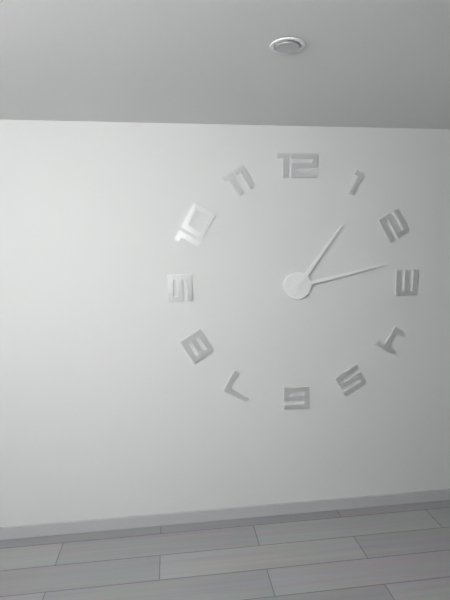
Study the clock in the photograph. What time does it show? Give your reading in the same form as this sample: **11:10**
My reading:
**1:13**
